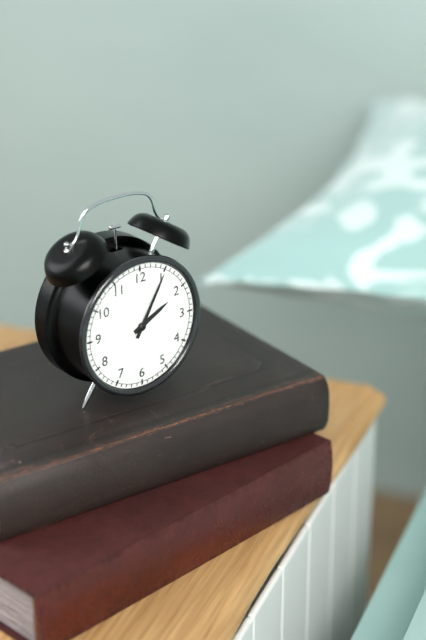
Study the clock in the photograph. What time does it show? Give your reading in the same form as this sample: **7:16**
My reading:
**2:05**
